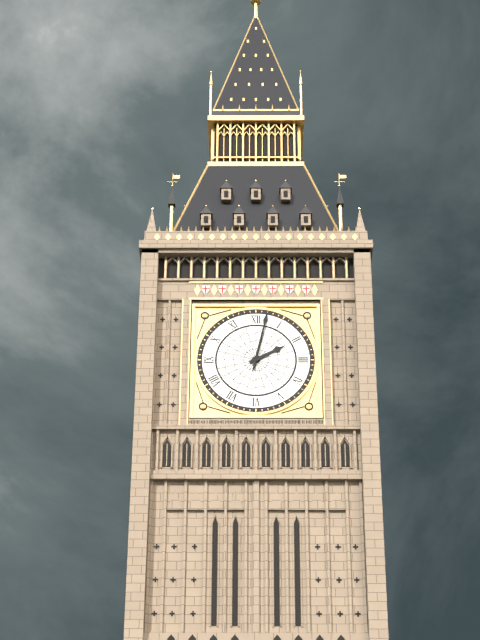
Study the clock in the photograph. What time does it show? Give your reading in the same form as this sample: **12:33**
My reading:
**2:02**
